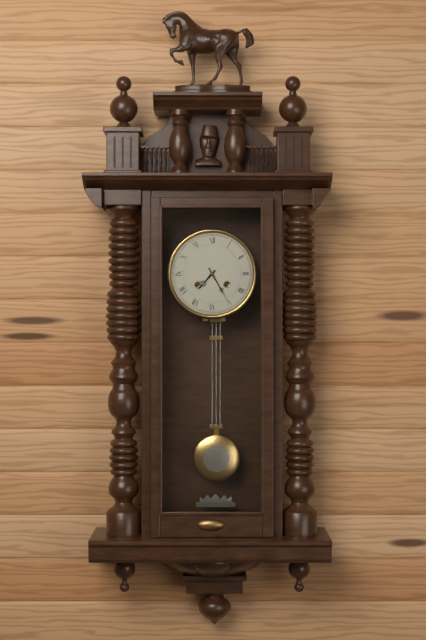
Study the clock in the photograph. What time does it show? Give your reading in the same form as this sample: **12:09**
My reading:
**7:25**
